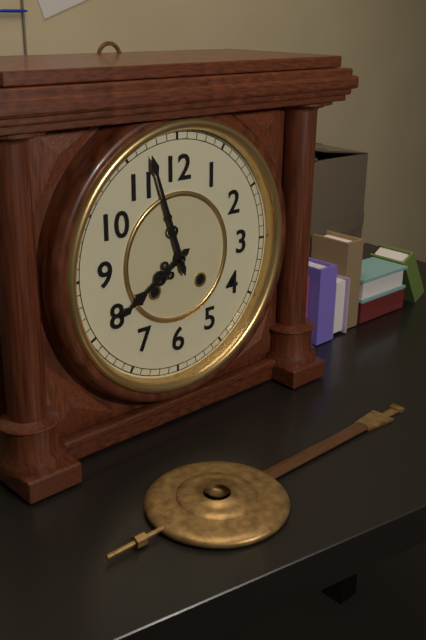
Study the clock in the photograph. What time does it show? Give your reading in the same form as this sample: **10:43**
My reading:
**7:57**
